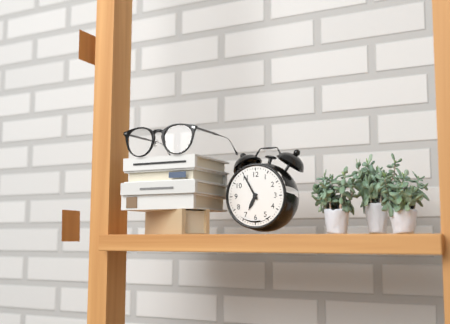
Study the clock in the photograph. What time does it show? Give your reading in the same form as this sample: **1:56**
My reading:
**6:55**
